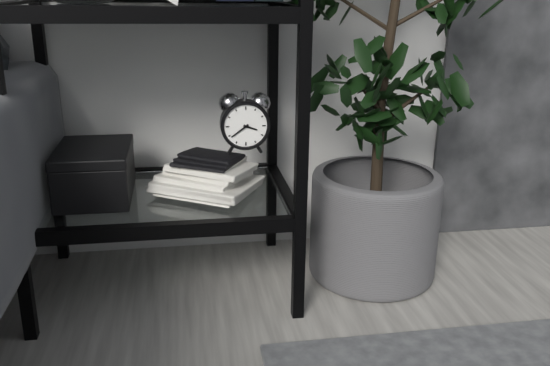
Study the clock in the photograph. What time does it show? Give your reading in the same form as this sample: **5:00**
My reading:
**3:39**
